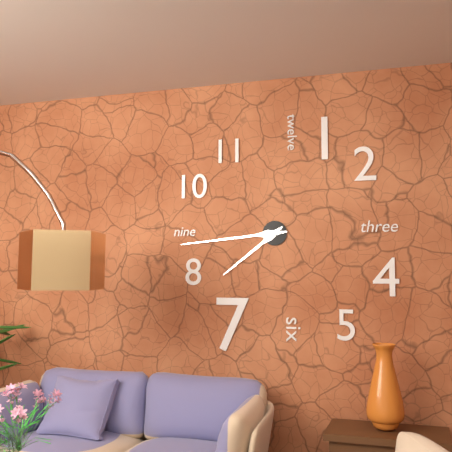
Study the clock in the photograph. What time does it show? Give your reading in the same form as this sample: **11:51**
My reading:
**7:44**
